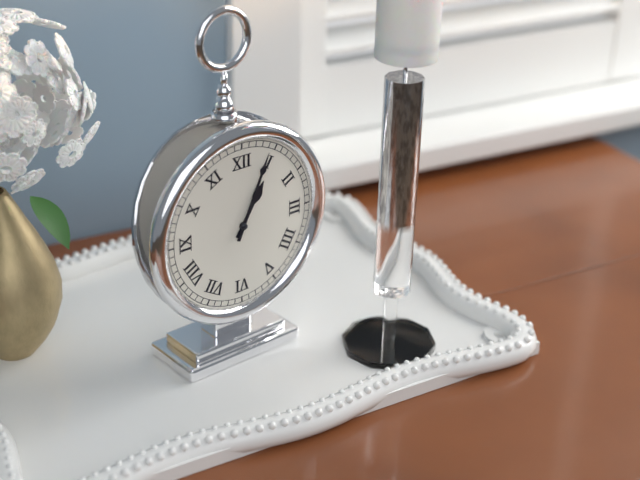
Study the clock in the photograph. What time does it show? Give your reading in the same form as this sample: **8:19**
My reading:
**1:04**
